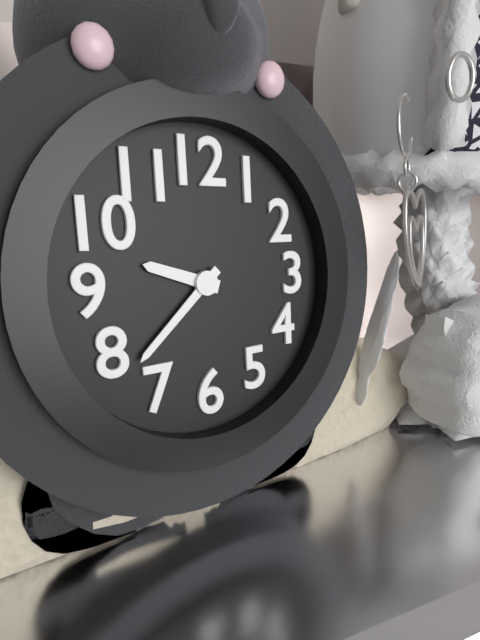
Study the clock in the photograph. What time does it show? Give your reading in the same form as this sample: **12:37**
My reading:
**9:38**
